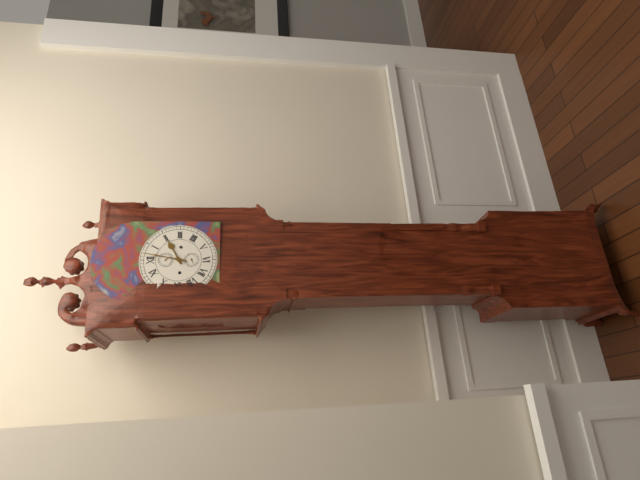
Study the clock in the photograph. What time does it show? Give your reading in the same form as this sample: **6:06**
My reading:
**2:02**
